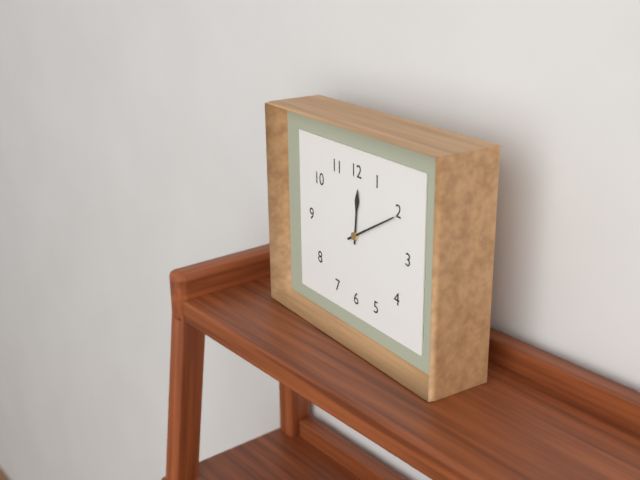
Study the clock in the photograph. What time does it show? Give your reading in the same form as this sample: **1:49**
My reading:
**12:10**
